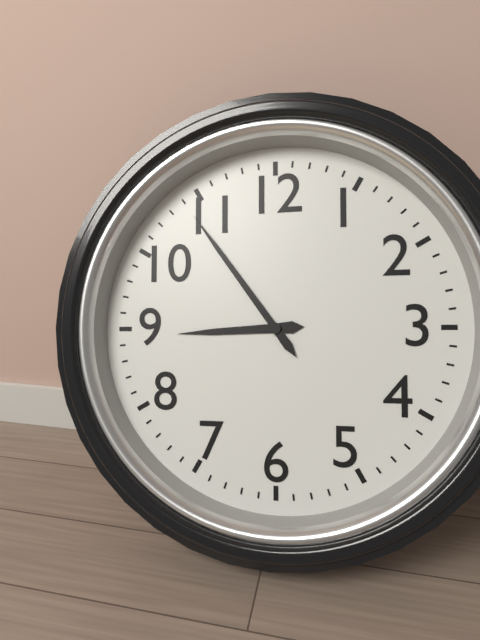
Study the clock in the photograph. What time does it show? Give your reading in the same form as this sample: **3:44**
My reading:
**8:54**
